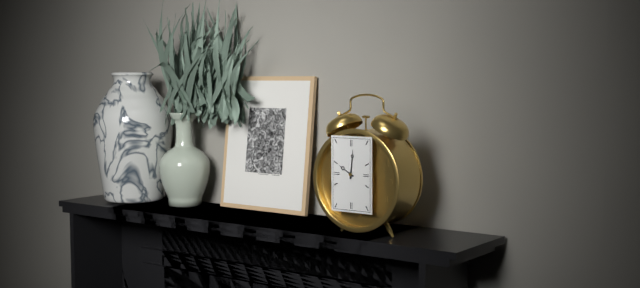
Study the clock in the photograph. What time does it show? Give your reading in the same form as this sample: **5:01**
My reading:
**10:01**
